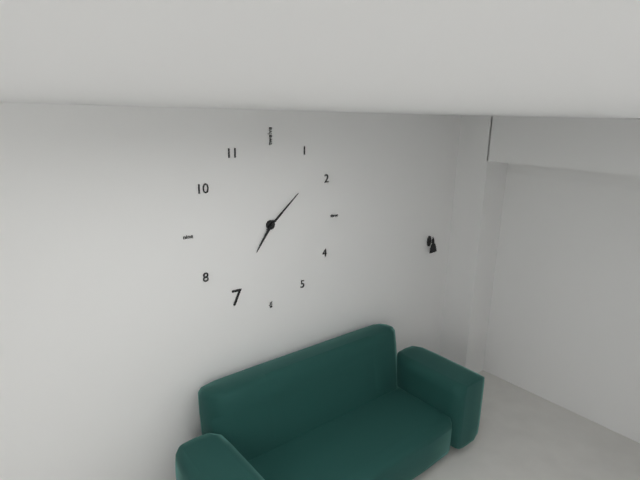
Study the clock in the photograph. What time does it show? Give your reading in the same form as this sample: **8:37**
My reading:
**7:08**
